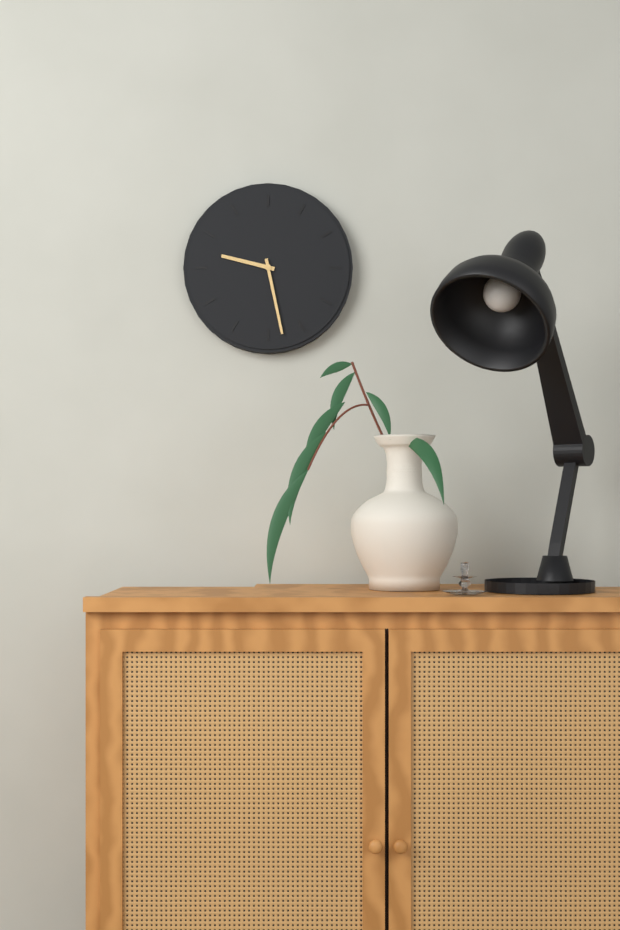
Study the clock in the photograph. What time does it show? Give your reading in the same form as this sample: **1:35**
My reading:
**9:28**
